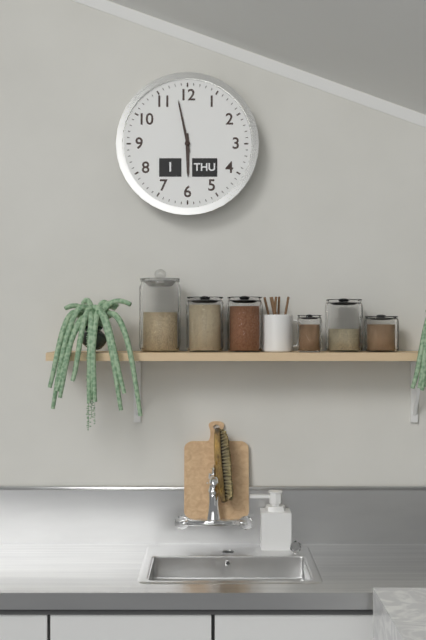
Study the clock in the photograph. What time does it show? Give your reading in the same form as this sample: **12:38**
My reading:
**5:58**
